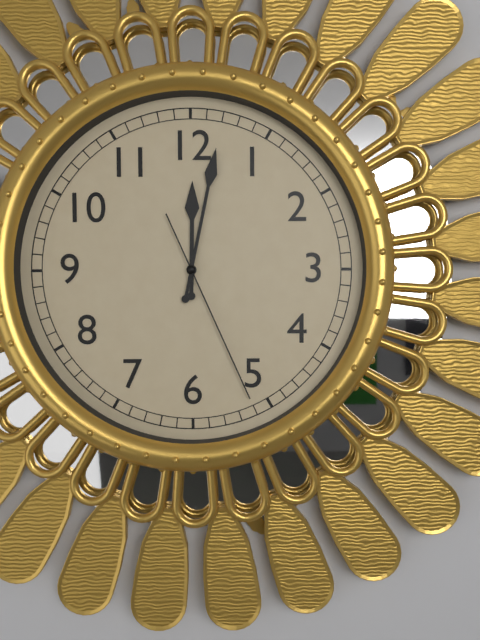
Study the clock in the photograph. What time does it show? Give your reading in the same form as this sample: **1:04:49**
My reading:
**12:02:26**
